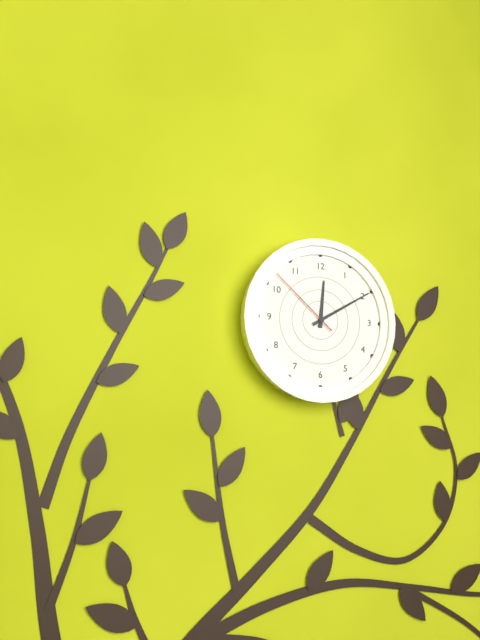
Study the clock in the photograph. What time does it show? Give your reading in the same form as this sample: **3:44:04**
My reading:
**12:10:52**
